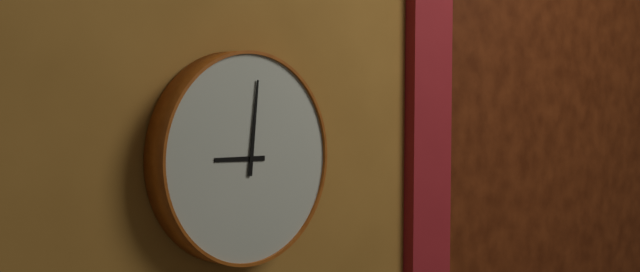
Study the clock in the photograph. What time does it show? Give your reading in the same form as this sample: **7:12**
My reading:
**9:01**
